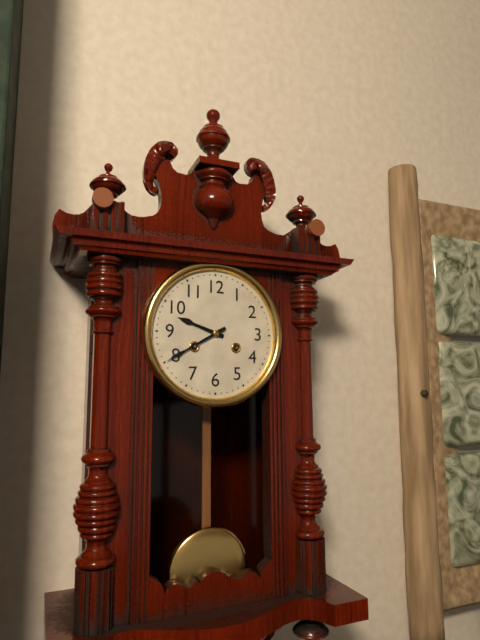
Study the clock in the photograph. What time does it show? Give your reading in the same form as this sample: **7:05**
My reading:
**9:40**
